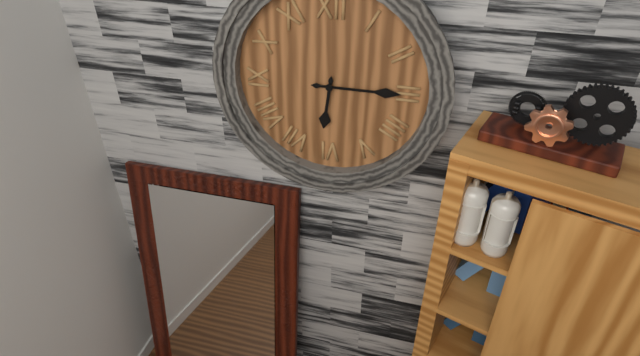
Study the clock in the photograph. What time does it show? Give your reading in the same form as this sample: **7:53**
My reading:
**6:15**
